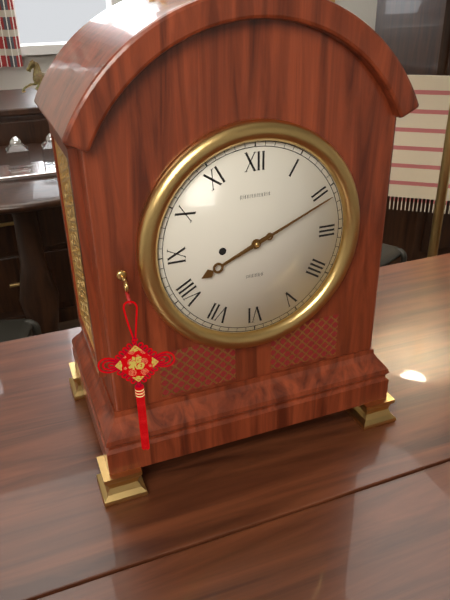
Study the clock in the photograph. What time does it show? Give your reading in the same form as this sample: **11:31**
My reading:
**8:11**
